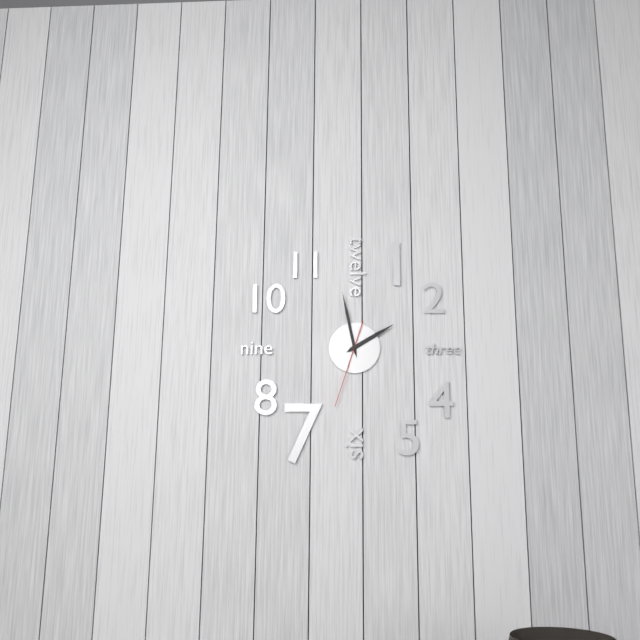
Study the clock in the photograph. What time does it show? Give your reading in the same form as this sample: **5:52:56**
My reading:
**1:58:33**
